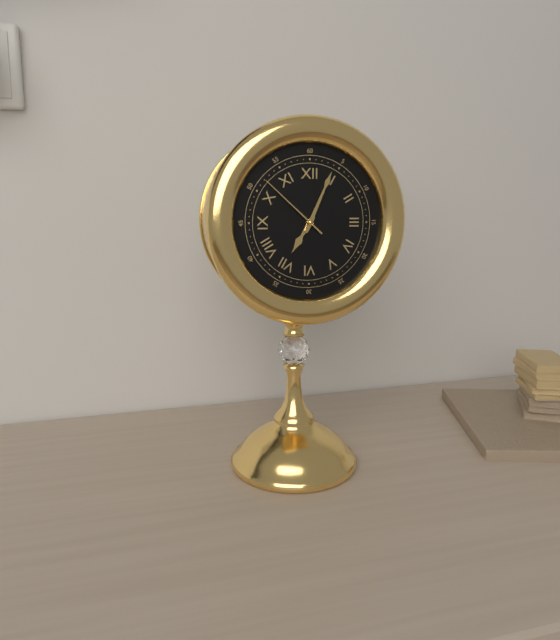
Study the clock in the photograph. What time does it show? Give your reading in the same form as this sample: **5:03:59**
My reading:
**7:04:52**
